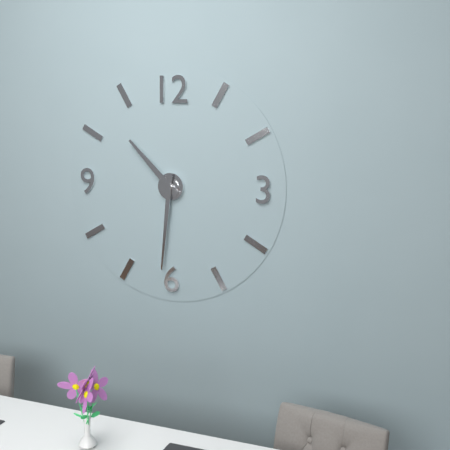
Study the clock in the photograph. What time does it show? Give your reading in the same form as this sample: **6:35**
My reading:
**10:31**
